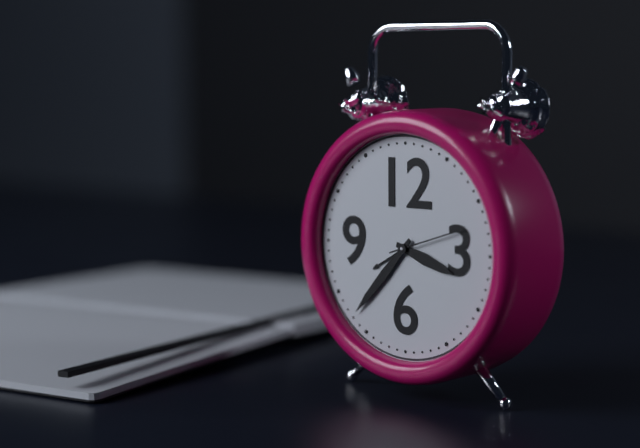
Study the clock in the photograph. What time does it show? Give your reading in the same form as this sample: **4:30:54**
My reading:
**3:37:12**
